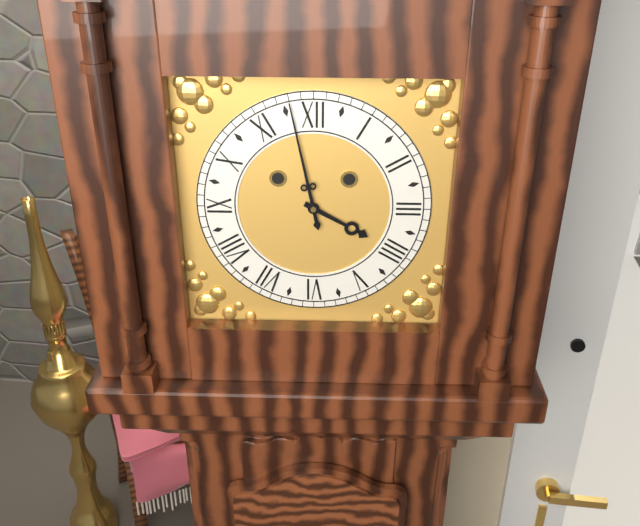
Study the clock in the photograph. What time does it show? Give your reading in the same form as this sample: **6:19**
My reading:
**3:58**
